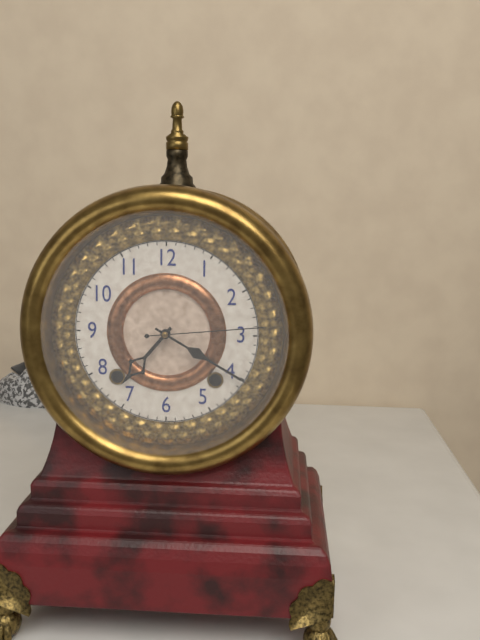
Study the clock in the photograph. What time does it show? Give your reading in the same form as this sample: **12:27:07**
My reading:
**7:20:14**
